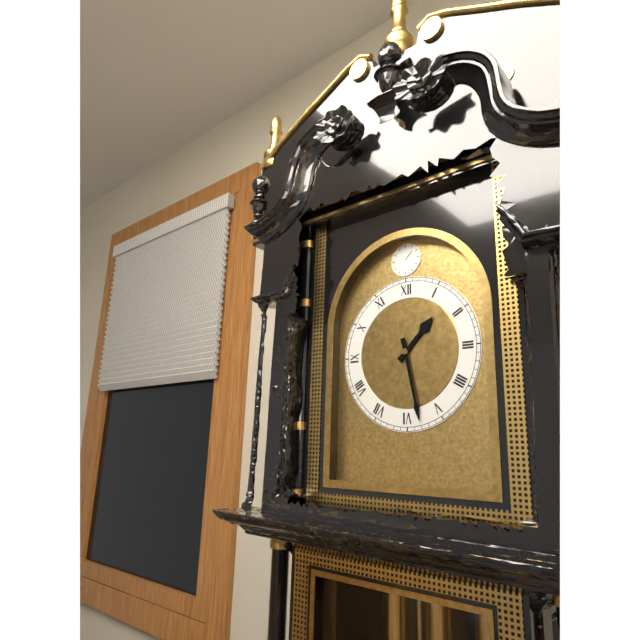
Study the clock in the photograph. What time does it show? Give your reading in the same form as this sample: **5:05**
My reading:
**1:28**
